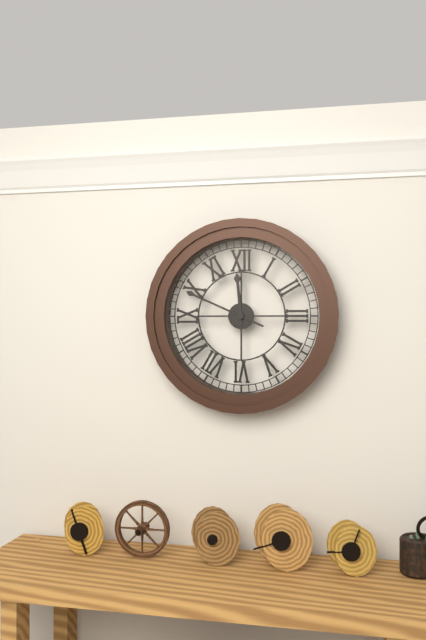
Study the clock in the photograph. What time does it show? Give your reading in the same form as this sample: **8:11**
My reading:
**11:49**
